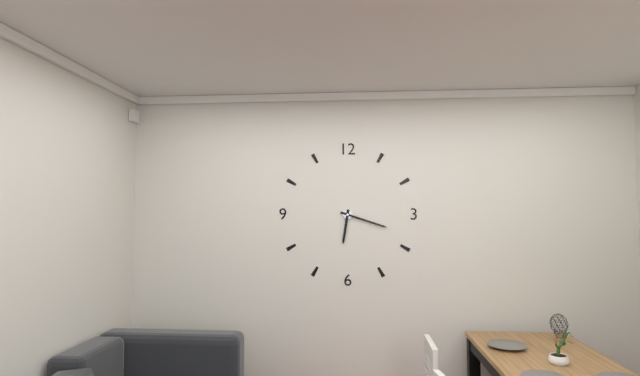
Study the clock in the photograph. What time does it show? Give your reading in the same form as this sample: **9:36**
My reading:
**6:18**
